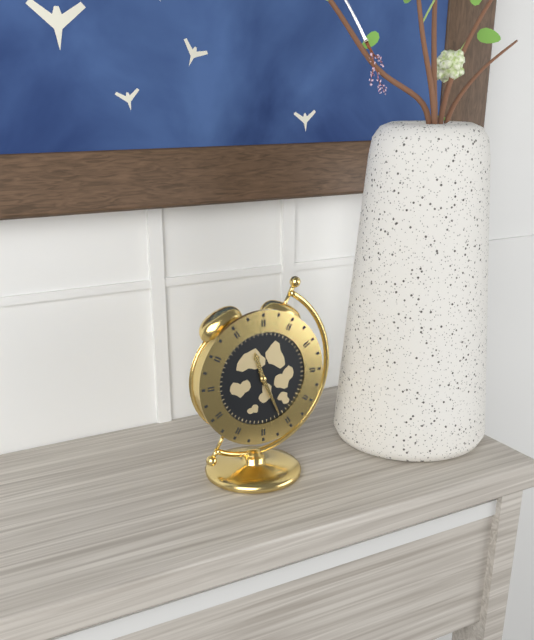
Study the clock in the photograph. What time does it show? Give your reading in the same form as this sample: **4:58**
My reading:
**11:26**
